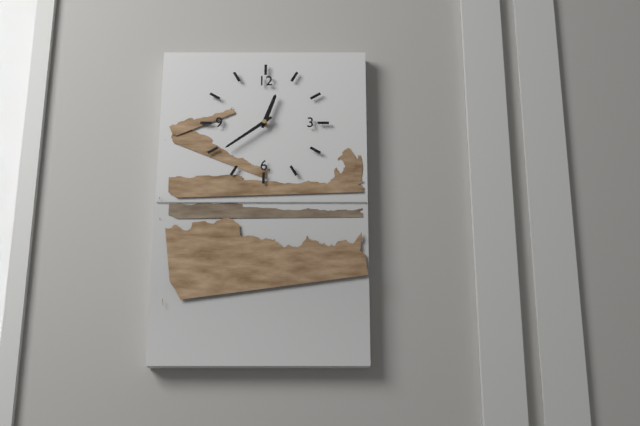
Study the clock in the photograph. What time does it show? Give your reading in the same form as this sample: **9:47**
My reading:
**12:39**
